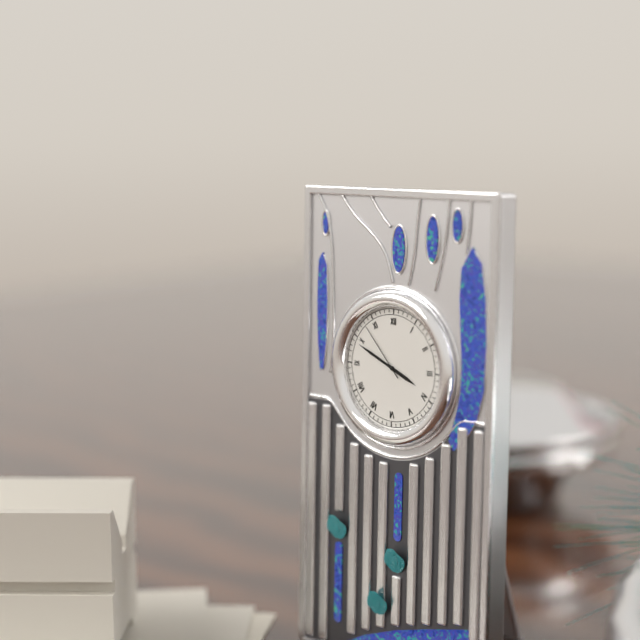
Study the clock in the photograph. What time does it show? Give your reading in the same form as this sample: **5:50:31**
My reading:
**3:49:53**
